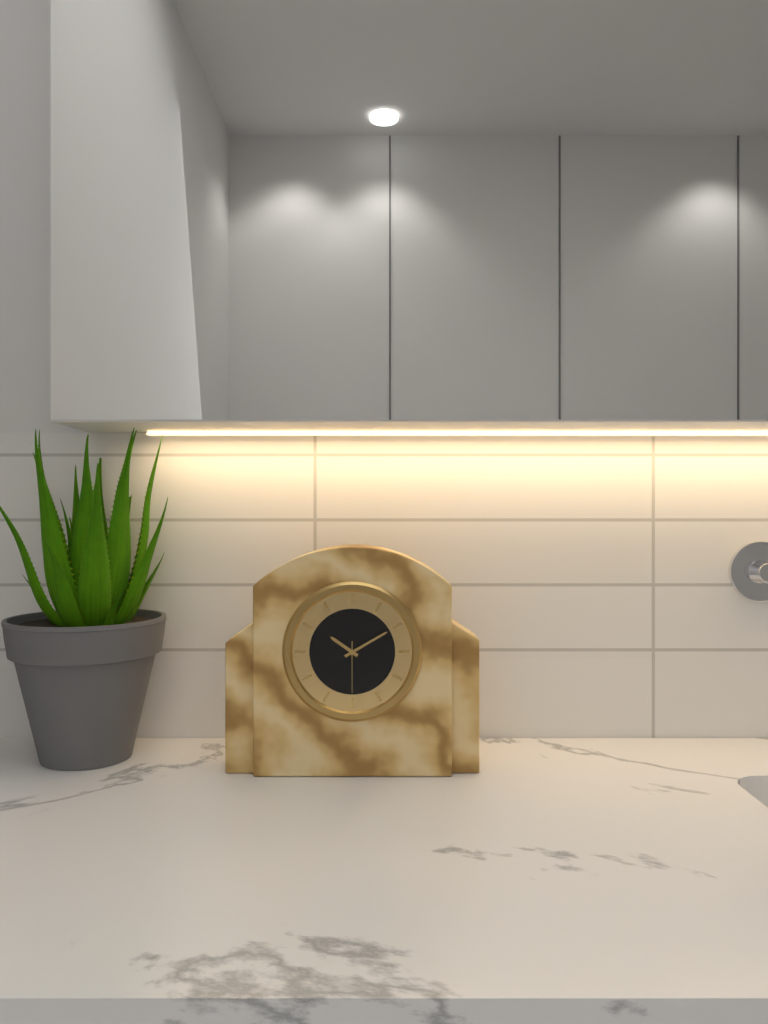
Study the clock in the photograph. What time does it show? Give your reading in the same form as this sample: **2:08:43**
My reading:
**10:10:30**
